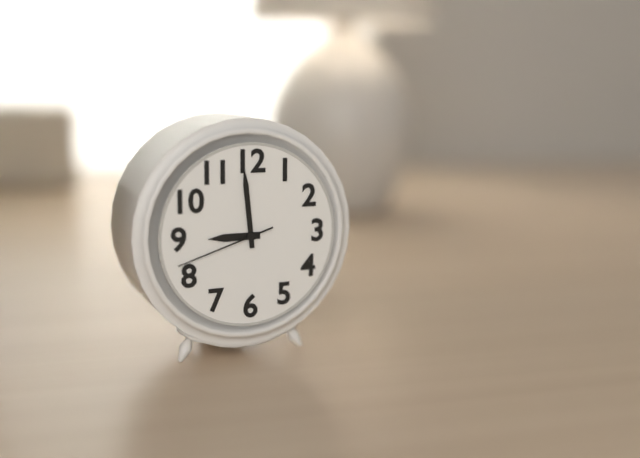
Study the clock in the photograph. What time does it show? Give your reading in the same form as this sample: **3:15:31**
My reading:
**8:59:42**
